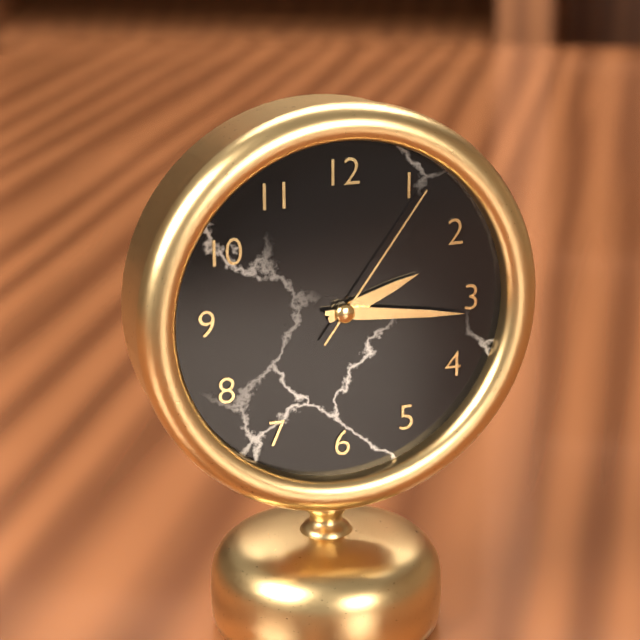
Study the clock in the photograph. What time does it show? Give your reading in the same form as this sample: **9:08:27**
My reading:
**2:16:06**
